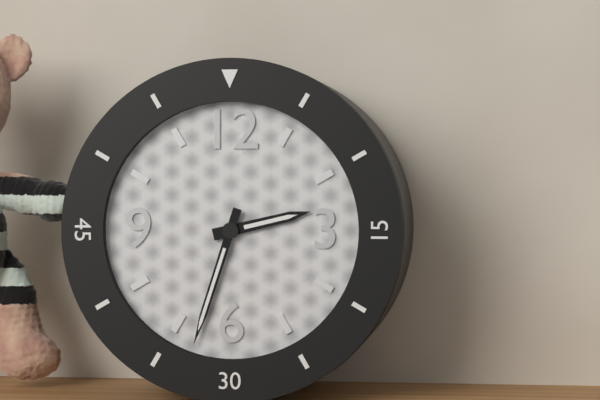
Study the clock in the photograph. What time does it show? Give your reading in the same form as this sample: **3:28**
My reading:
**2:33**
